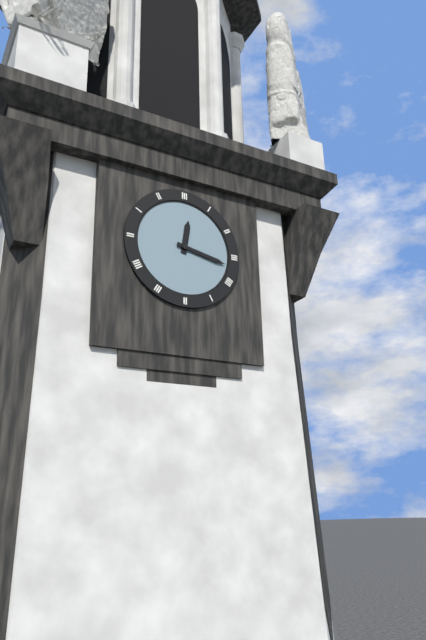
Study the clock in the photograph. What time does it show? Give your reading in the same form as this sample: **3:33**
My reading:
**12:17**
